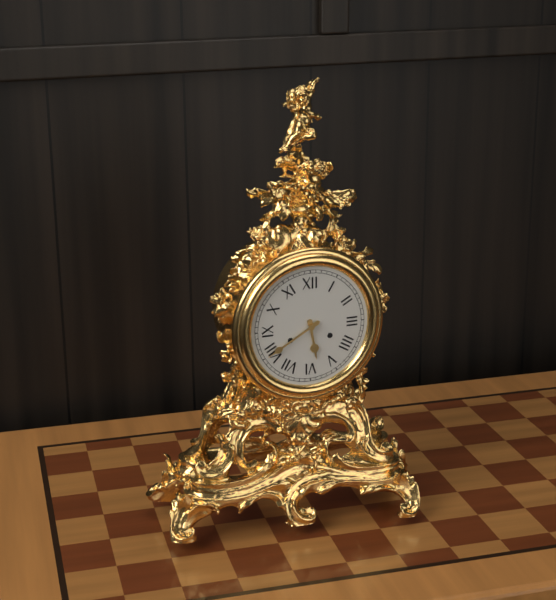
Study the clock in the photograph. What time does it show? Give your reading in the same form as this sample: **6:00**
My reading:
**5:40**
